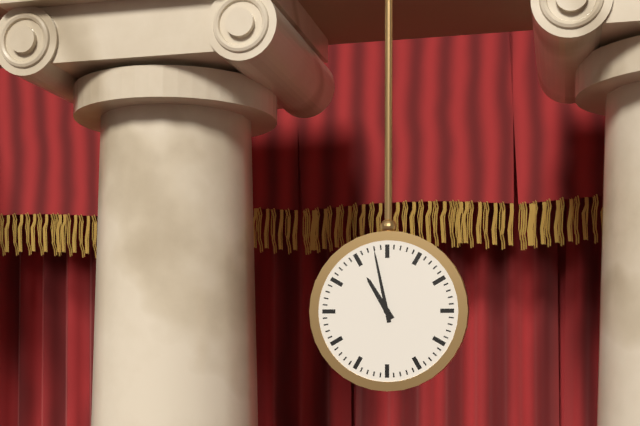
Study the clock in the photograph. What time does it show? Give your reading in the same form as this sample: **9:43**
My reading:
**10:58**
